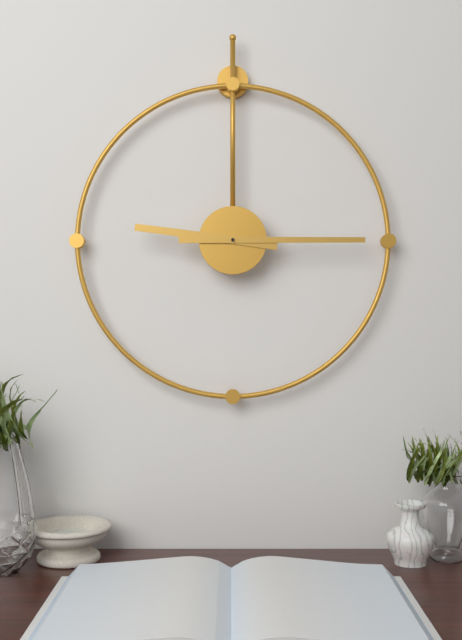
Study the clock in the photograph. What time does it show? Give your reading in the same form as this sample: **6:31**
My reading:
**9:15**
